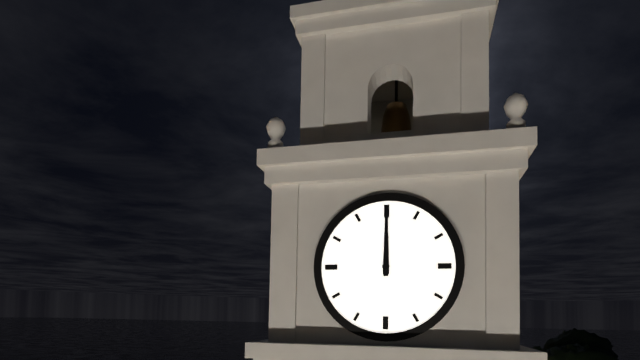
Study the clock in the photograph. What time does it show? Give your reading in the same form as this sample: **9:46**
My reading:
**12:00**
